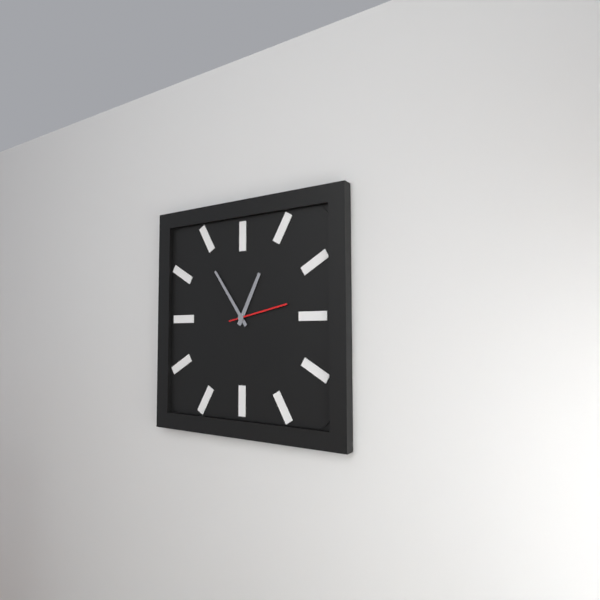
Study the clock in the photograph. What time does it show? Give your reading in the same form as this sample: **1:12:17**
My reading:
**12:54:13**
